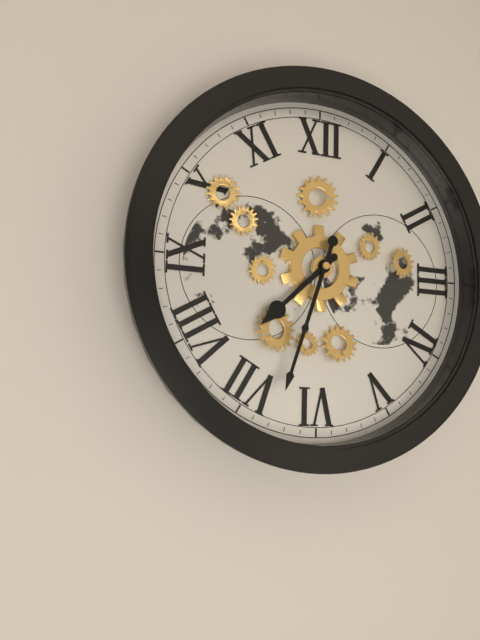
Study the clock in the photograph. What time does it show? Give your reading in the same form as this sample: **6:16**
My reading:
**7:33**
